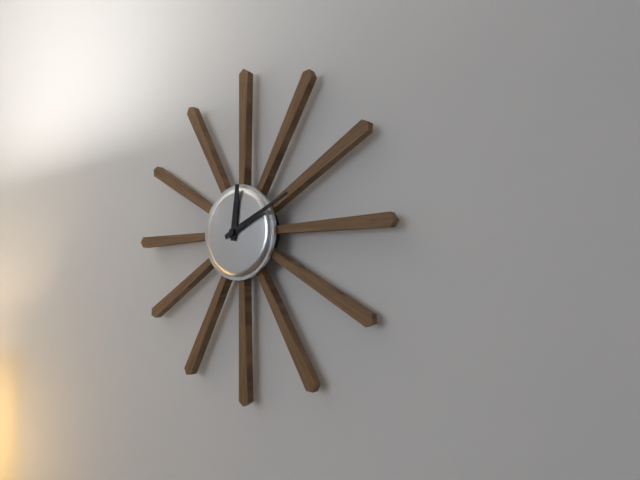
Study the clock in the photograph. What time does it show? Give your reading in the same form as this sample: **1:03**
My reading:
**12:11**
